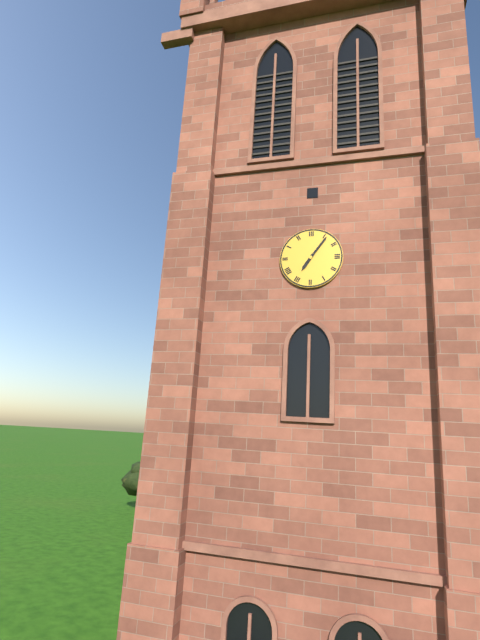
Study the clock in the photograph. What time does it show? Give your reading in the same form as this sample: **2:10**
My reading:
**7:06**
